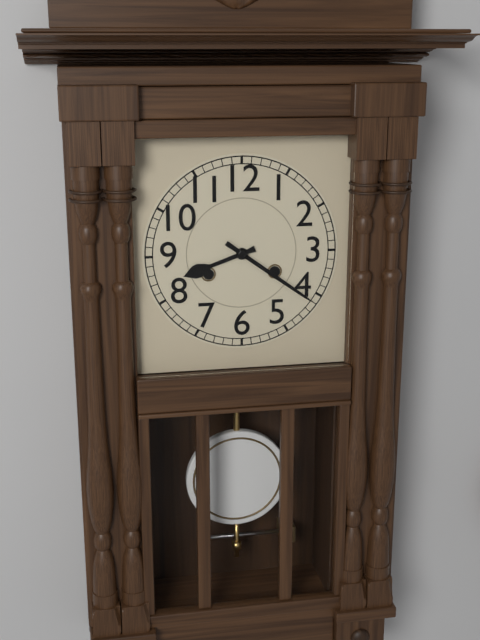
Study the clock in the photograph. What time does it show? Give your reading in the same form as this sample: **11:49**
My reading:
**8:21**
